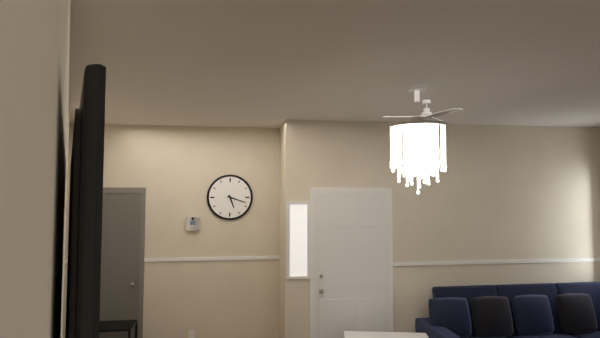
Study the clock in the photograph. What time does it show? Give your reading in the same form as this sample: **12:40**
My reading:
**5:18**
